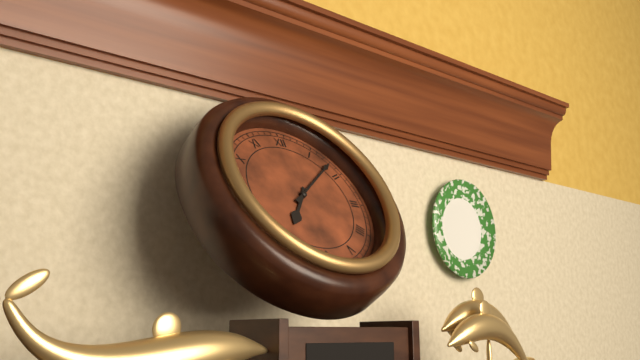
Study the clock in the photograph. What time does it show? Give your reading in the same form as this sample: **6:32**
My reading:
**7:08**
